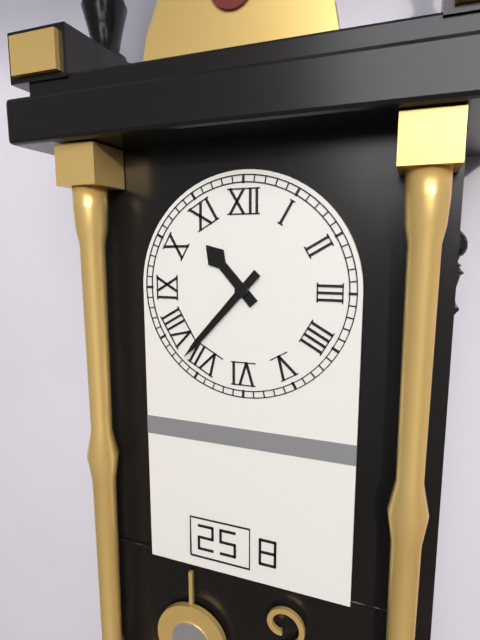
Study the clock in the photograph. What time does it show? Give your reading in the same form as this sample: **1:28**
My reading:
**10:37**
